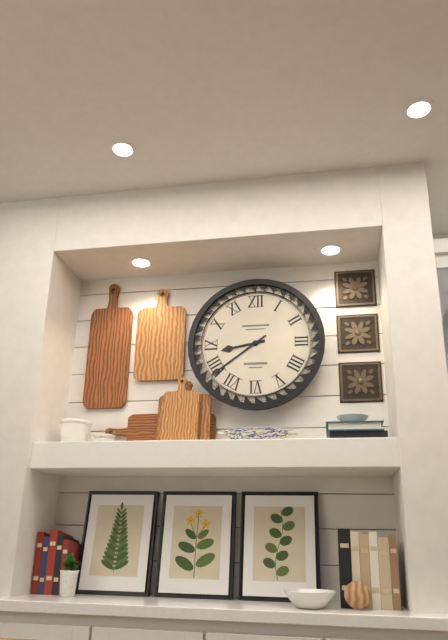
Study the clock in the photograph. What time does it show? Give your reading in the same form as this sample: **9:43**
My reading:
**8:39**
